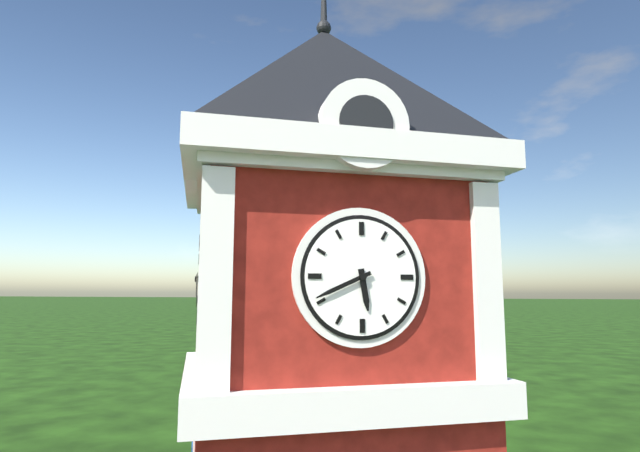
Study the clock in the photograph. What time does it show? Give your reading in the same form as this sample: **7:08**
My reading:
**5:41**
